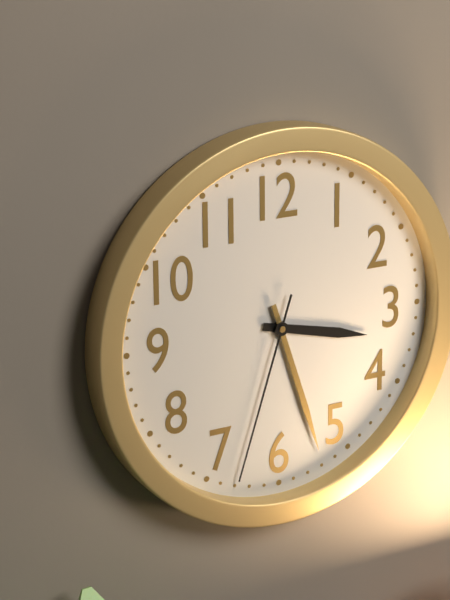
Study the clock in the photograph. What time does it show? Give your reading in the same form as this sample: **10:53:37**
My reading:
**3:27:33**
